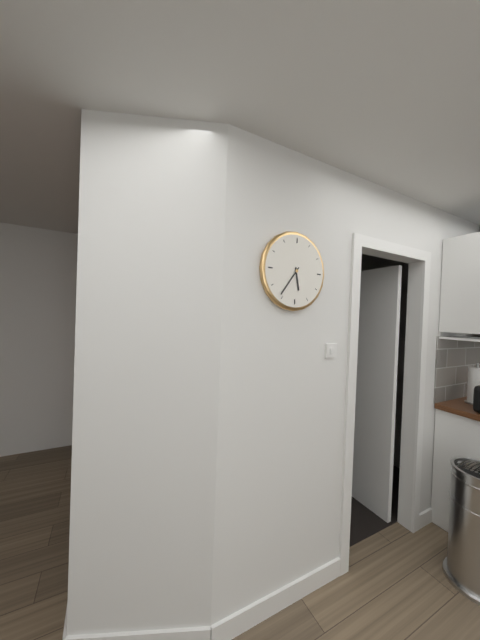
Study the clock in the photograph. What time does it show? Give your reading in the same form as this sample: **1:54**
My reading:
**5:36**
